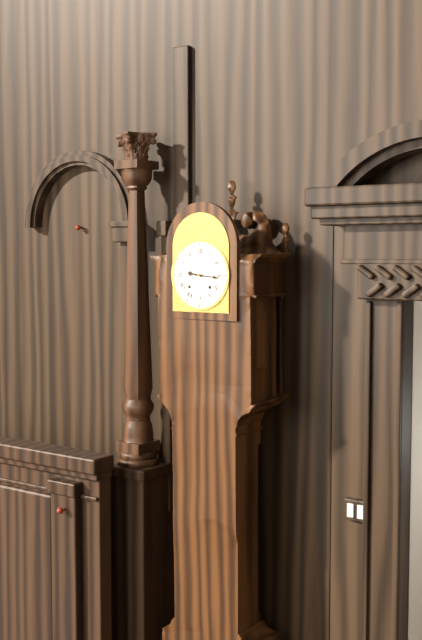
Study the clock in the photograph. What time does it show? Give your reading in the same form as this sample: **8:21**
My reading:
**9:16**
